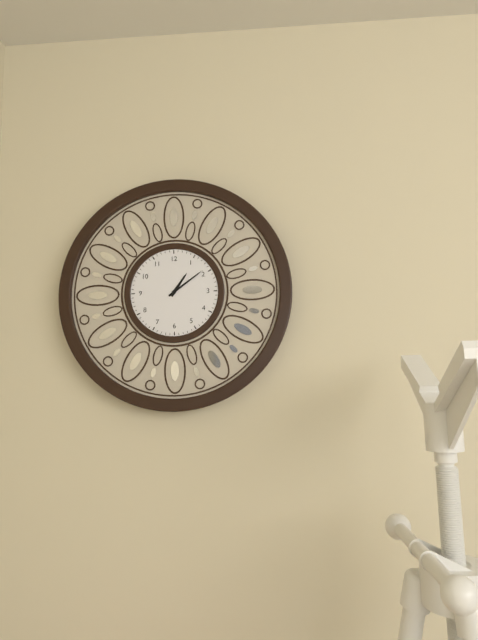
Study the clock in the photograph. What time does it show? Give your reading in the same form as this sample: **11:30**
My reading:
**1:09**
